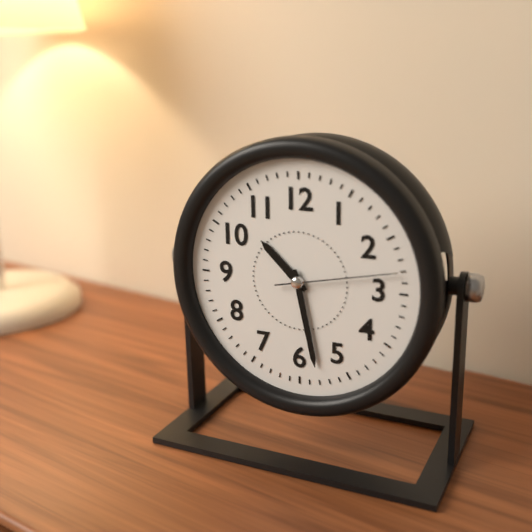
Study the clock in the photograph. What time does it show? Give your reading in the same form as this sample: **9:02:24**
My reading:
**10:28:13**
